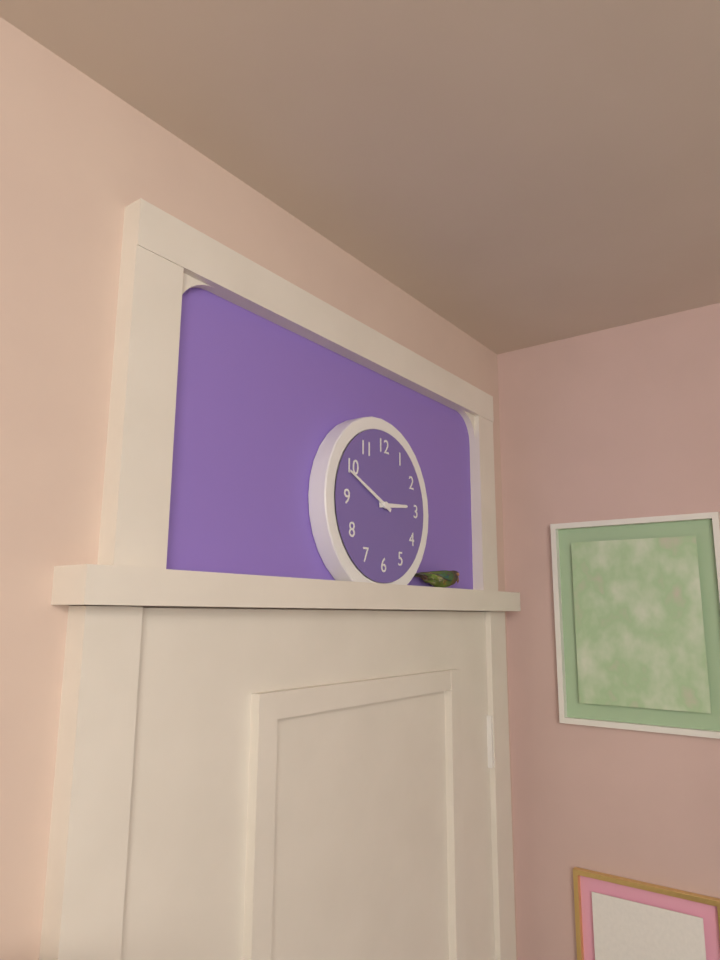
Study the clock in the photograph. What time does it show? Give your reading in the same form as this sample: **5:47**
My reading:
**2:49**
